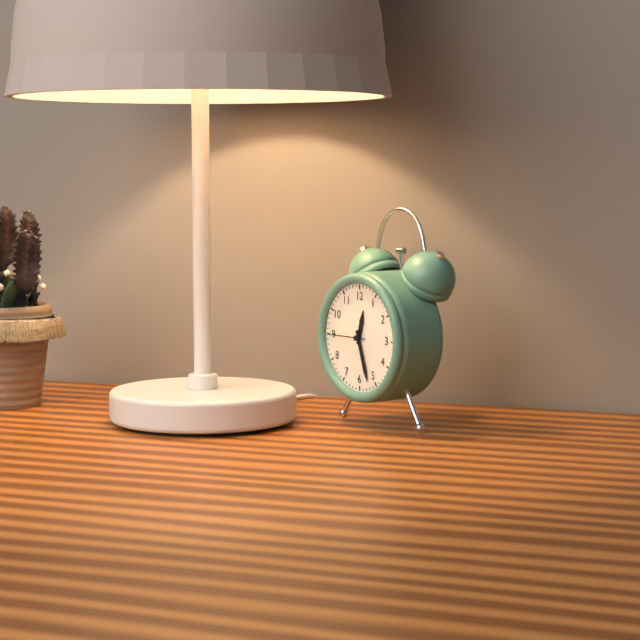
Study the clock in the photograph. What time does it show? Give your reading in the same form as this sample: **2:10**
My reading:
**12:27**
